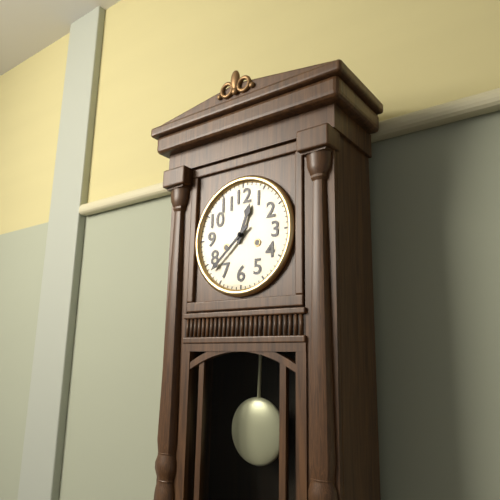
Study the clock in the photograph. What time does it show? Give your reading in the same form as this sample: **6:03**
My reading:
**12:38**
